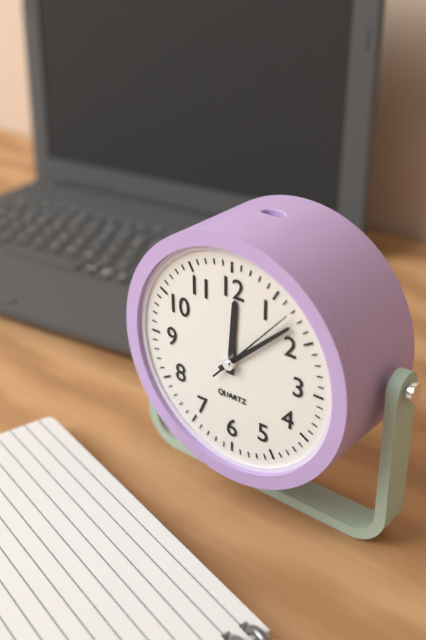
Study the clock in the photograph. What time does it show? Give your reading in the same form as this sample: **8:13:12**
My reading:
**12:08:07**
